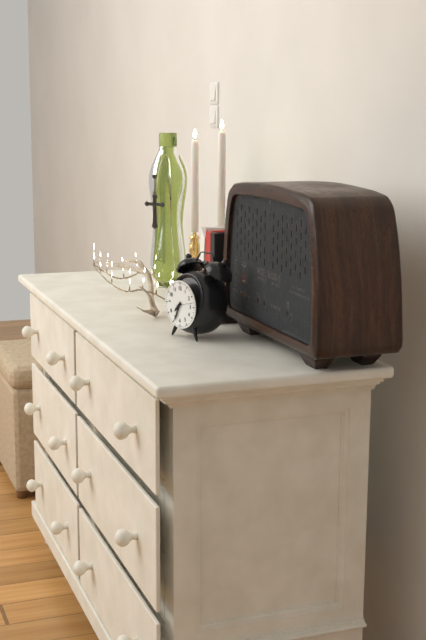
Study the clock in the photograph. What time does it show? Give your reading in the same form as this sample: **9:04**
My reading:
**7:34**
